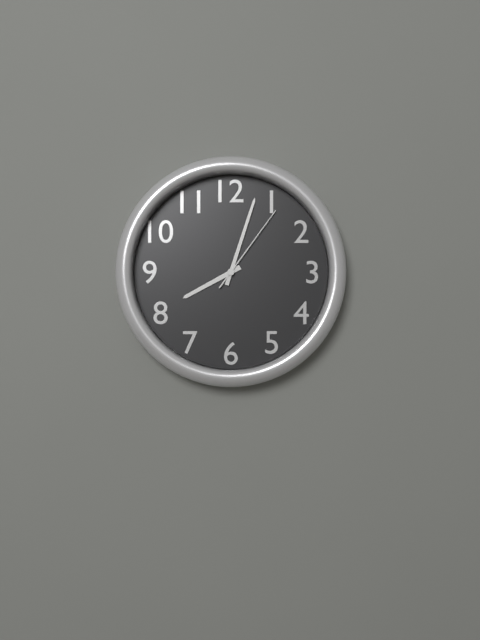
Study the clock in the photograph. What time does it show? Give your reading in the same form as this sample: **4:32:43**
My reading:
**8:03:06**
